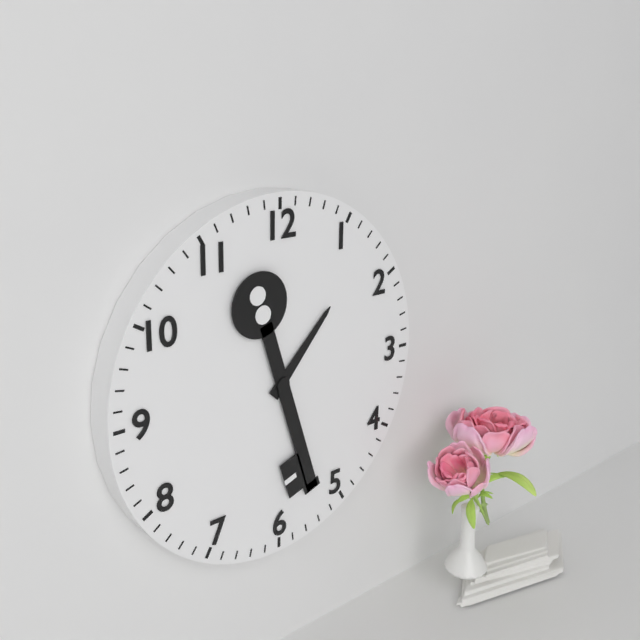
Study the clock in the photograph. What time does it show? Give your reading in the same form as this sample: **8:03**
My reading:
**1:27**
